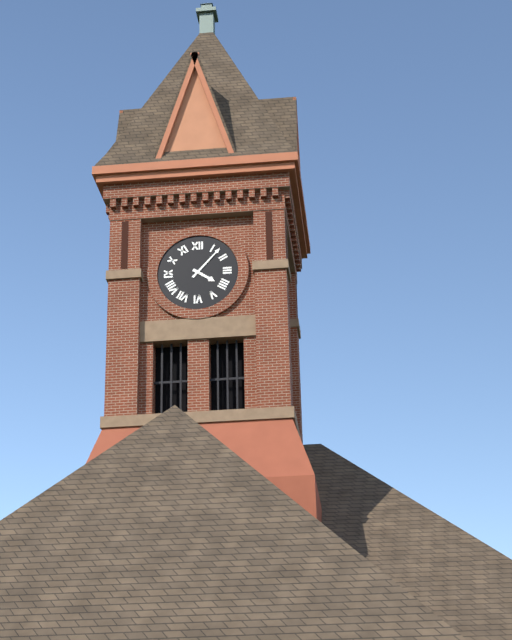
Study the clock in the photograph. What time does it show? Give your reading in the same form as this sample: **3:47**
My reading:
**4:07**
